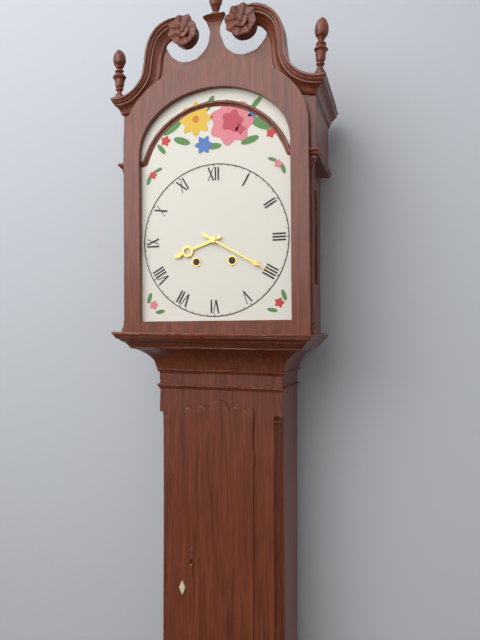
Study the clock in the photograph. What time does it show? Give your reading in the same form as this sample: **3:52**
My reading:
**8:20**
